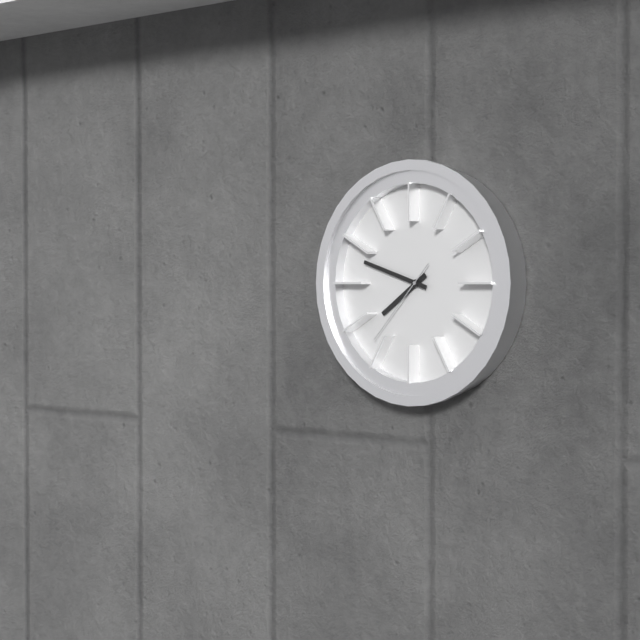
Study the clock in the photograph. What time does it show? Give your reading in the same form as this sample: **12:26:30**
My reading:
**7:48:37**
